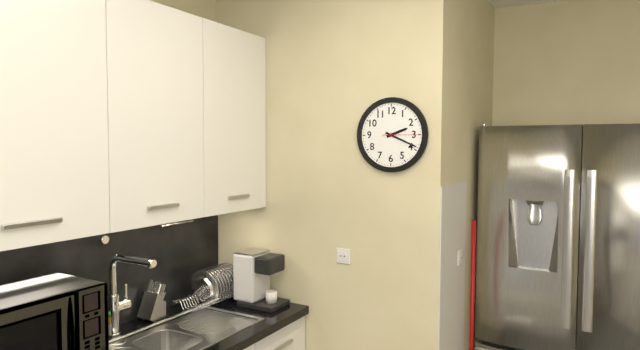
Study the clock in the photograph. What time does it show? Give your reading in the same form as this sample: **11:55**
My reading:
**2:19**
